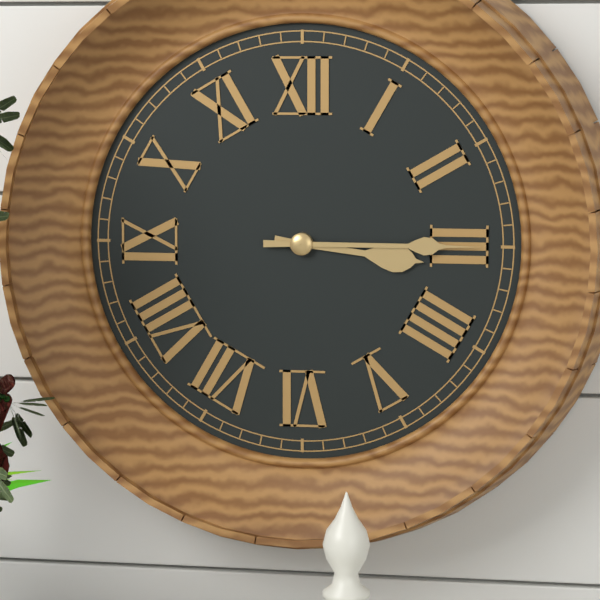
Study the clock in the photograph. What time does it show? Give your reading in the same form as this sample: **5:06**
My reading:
**3:15**
